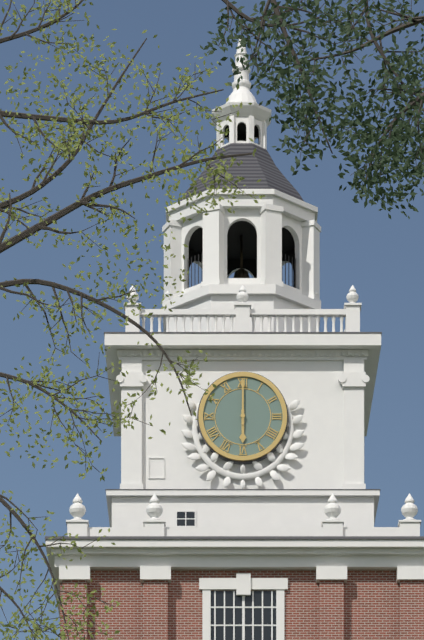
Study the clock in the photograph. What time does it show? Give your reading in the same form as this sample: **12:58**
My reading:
**6:00**
